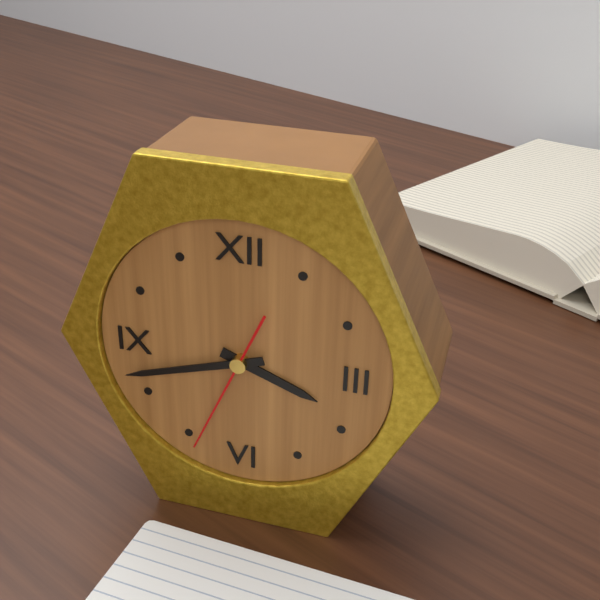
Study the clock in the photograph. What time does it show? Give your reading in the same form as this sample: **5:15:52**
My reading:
**3:42:34**
